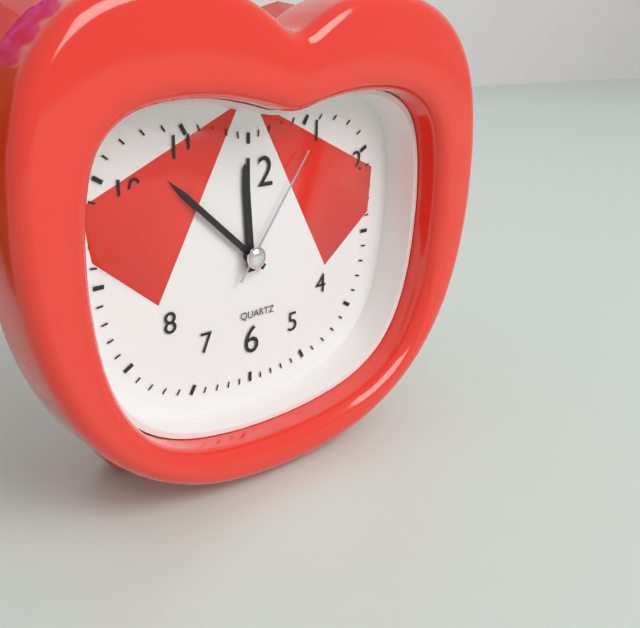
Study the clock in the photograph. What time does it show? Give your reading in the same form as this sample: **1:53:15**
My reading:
**11:52:06**
